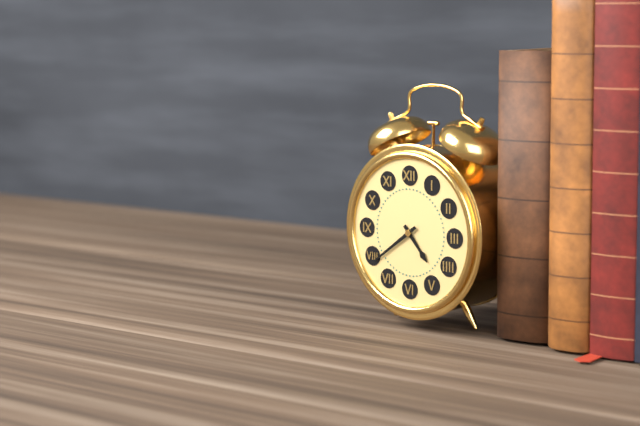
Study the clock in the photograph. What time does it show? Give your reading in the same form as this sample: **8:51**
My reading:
**4:39**
